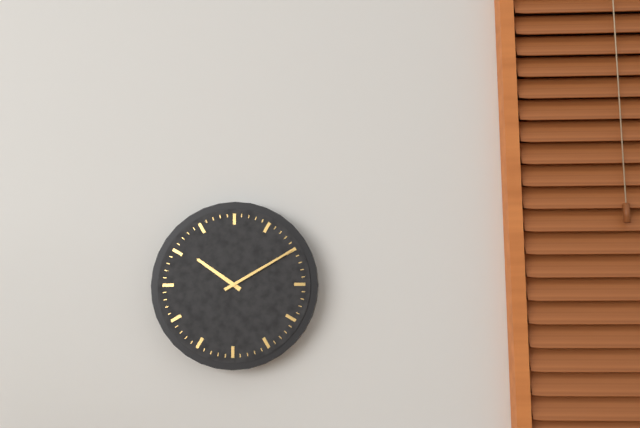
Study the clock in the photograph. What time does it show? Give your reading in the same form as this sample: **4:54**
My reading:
**10:10**
